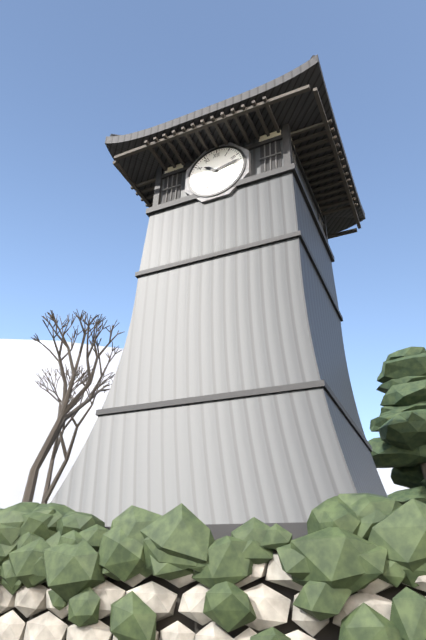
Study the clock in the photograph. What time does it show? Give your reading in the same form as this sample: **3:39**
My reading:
**10:13**
